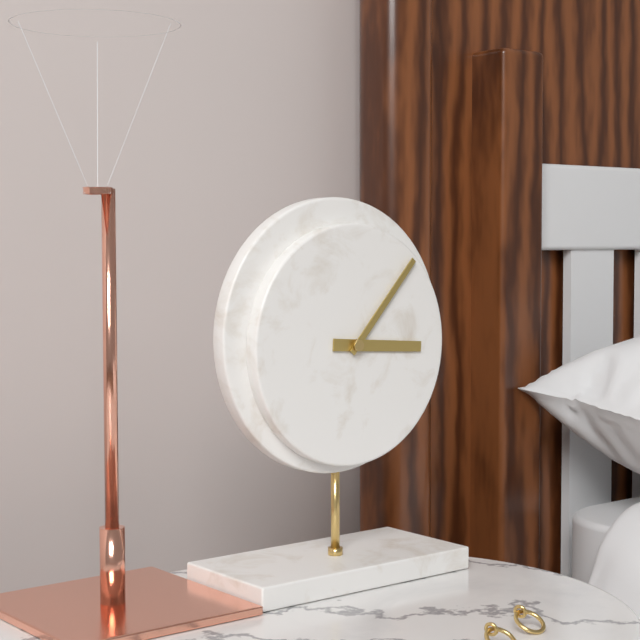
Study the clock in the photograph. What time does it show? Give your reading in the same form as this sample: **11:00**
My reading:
**3:07**
